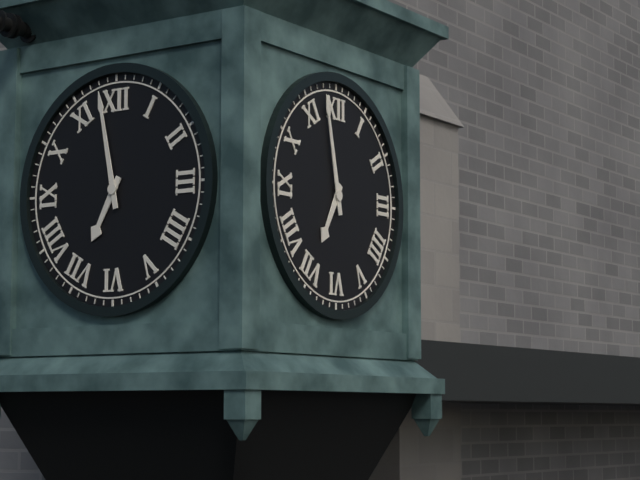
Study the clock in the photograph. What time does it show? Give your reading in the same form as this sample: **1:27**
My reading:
**6:58**
